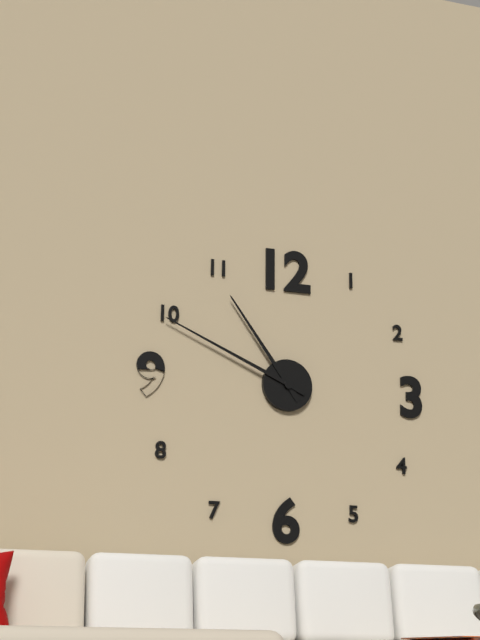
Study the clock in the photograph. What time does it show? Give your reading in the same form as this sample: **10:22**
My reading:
**10:49**
